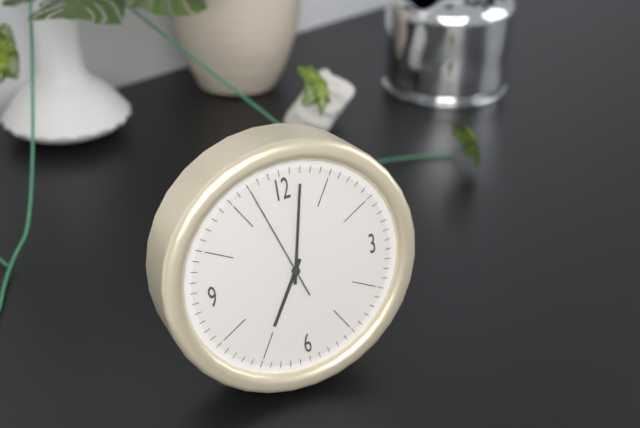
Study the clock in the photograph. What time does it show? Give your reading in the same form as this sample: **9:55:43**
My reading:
**7:02:57**
